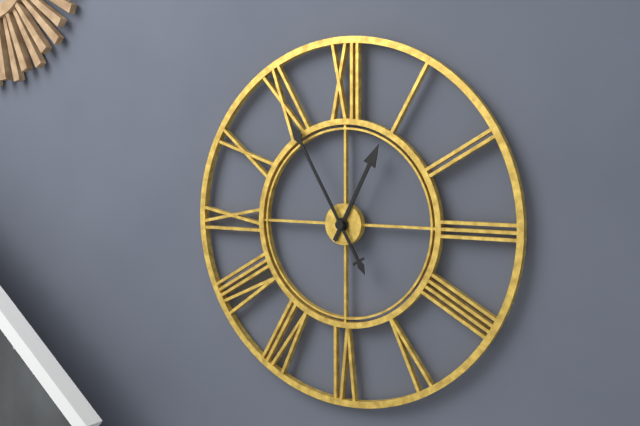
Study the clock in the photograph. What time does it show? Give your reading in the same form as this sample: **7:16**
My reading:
**12:55**
